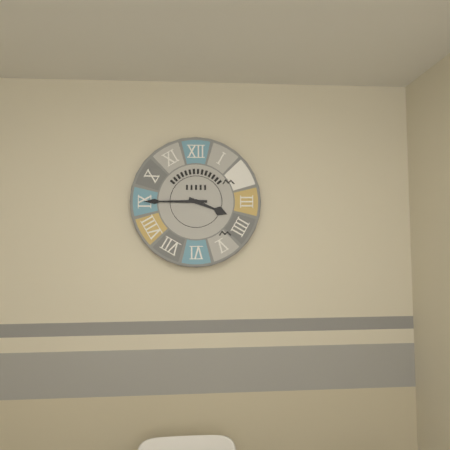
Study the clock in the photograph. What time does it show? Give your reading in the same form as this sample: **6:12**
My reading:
**3:45**
